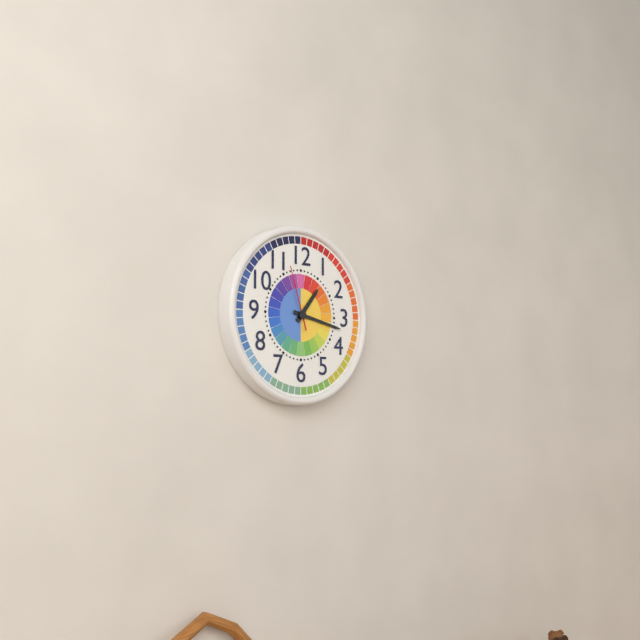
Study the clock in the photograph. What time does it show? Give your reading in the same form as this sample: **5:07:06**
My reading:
**1:17:57**
